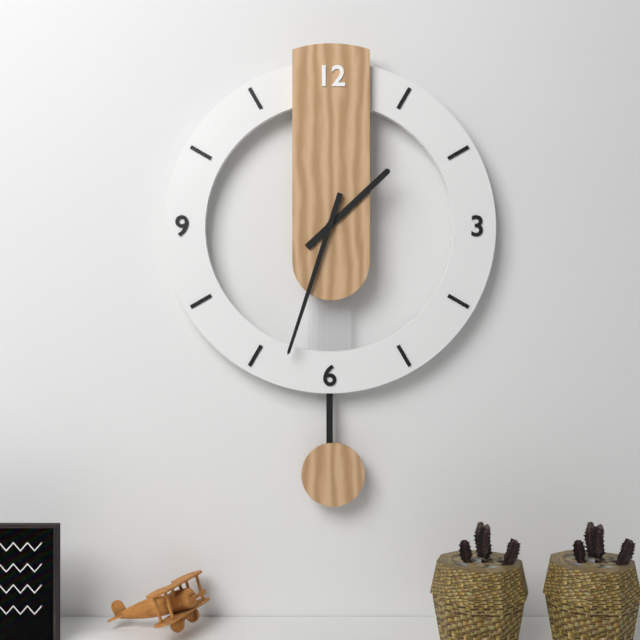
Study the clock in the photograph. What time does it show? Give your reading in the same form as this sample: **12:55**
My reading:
**1:33**
